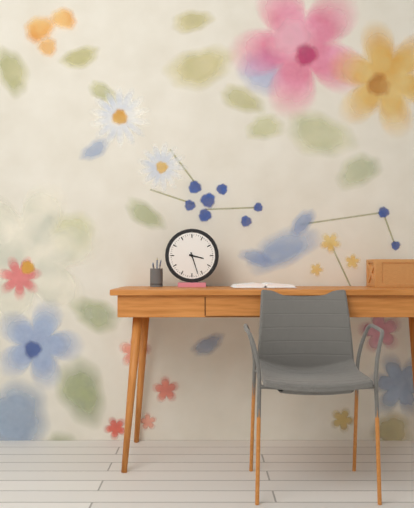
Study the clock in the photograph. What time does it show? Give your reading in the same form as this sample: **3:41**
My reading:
**3:27**
